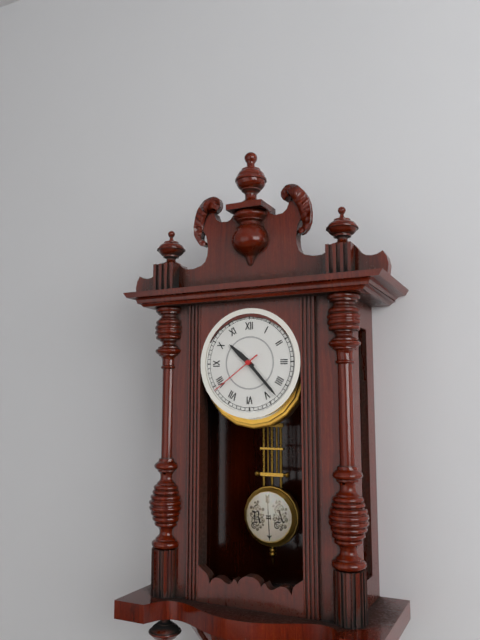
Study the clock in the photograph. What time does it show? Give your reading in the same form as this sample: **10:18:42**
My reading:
**10:23:39**
